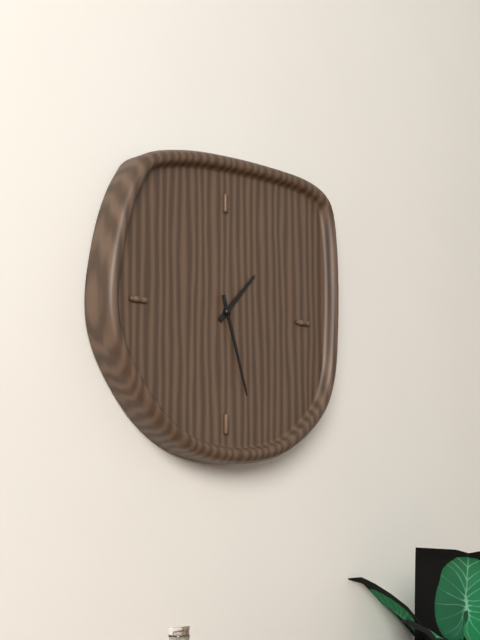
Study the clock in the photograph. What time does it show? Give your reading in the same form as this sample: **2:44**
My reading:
**1:27**
